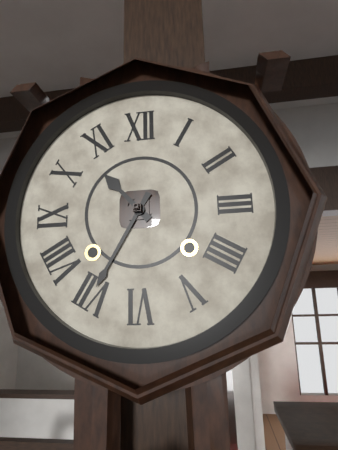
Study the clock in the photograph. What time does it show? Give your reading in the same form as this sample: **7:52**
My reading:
**10:35**
